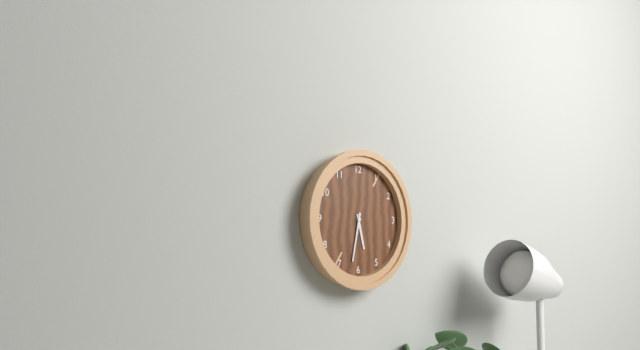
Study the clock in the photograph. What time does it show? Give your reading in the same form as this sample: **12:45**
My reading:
**5:32**
